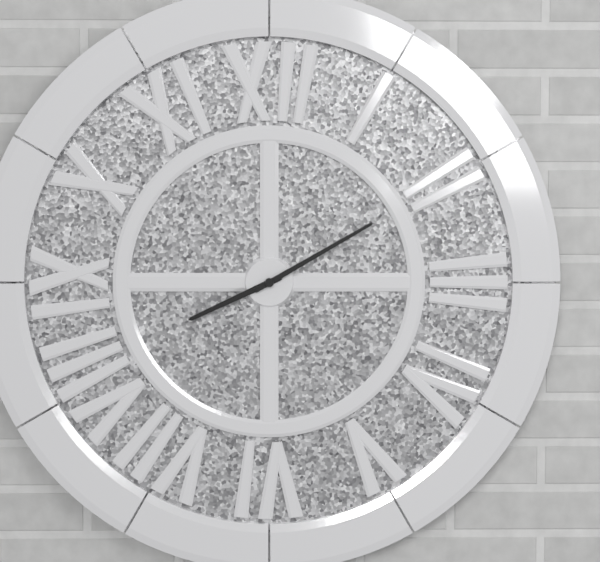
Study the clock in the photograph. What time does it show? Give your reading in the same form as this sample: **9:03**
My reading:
**8:10**
